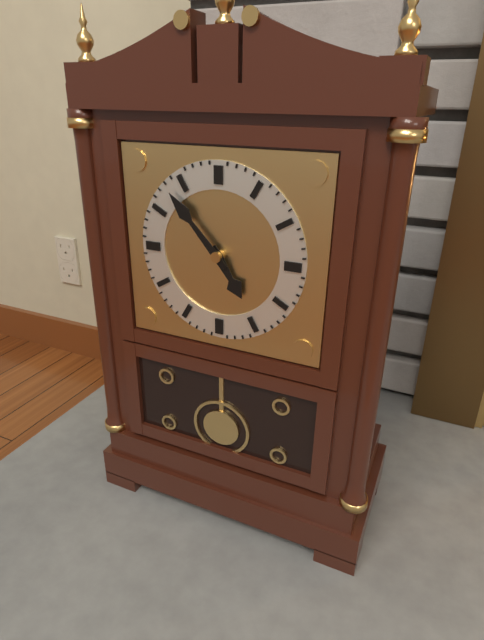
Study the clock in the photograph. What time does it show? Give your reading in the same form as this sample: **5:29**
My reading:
**4:53**
